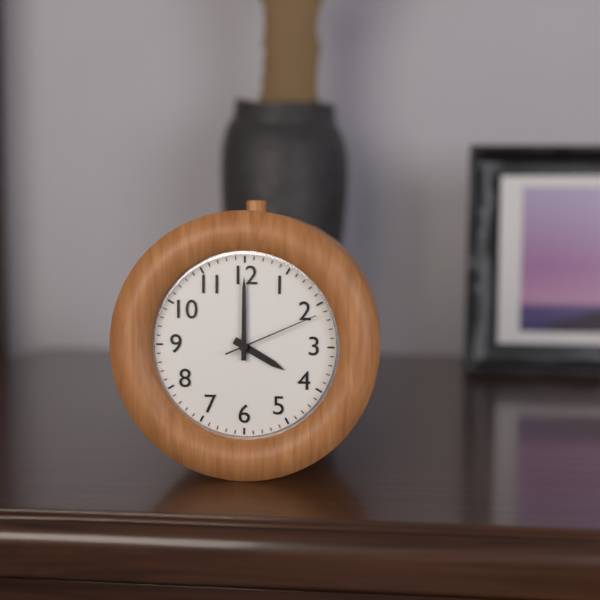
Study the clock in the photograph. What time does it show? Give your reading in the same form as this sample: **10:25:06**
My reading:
**4:00:11**
